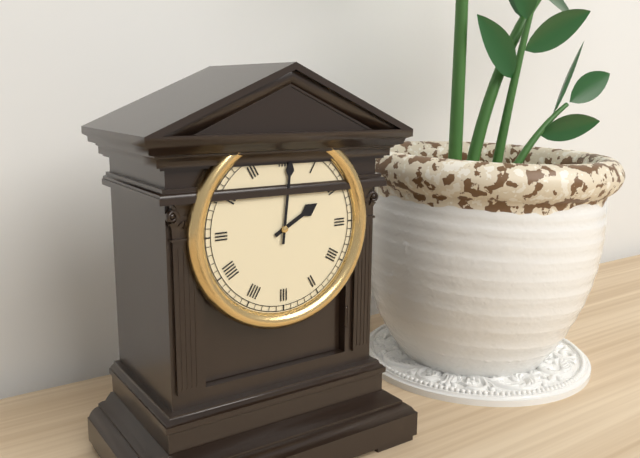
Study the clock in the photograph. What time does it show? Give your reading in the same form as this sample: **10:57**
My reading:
**2:01**
